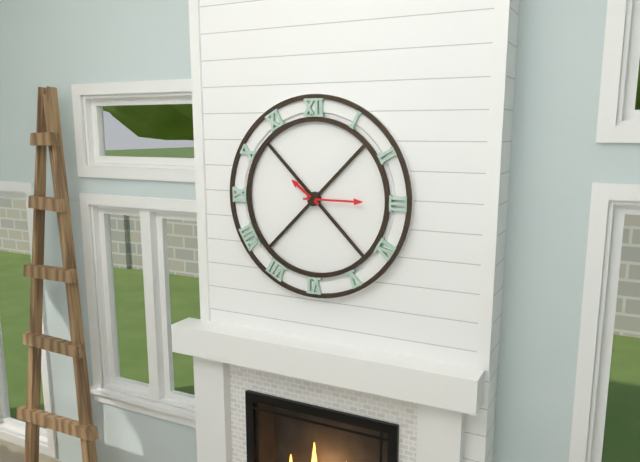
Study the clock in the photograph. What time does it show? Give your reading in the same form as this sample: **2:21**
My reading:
**10:15**
